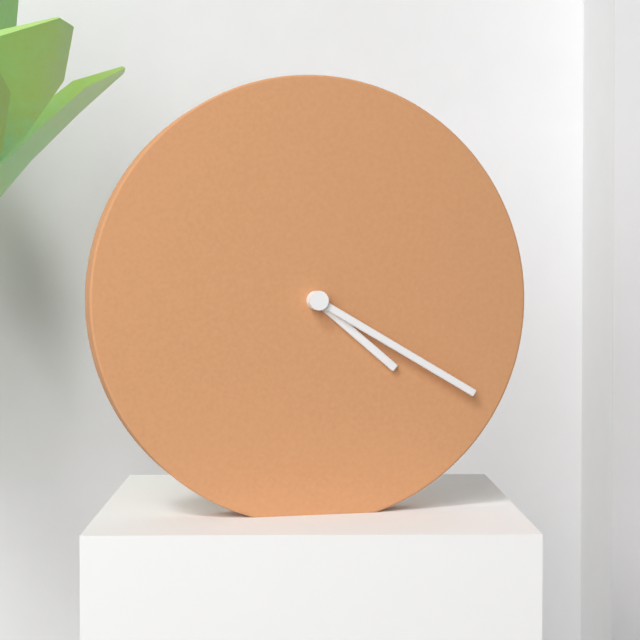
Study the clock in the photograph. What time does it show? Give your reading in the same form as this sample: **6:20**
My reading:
**4:20**
